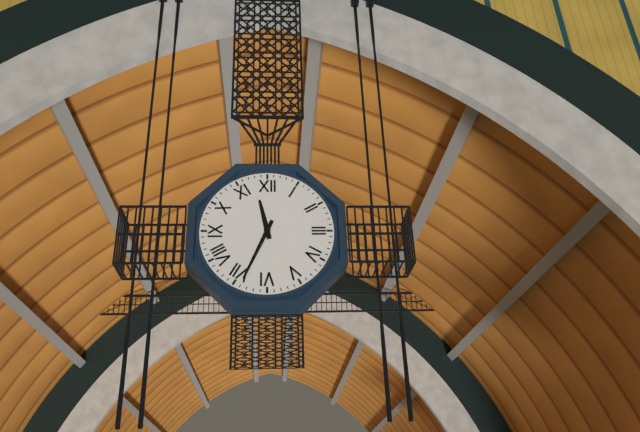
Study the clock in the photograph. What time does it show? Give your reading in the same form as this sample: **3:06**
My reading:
**11:34**
